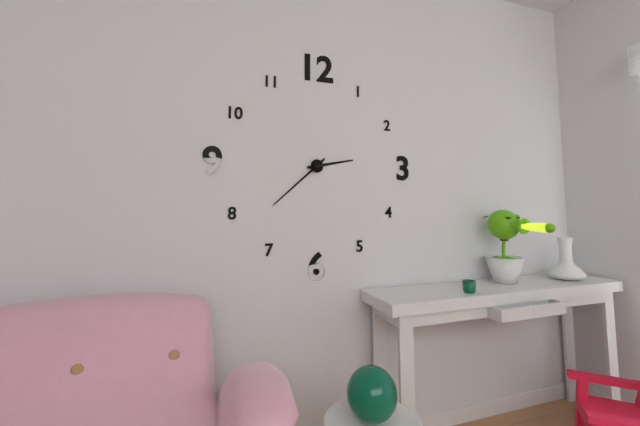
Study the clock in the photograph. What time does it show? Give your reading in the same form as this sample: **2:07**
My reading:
**2:38**
